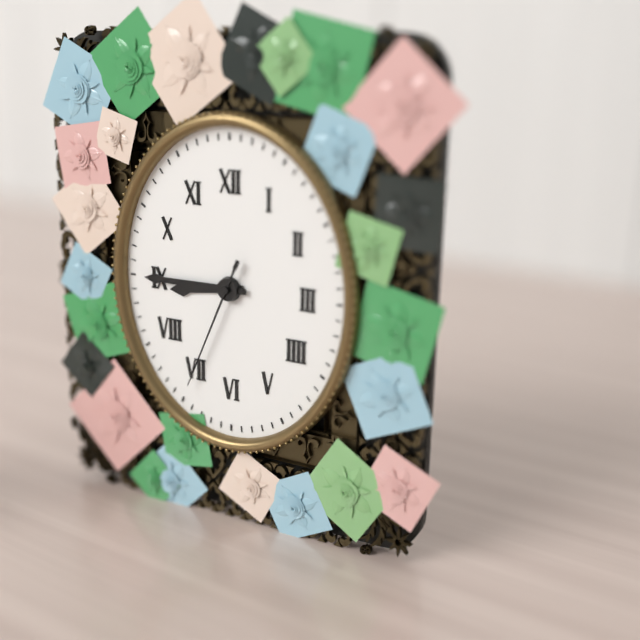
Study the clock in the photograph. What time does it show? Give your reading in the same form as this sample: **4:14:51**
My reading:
**8:45:34**
